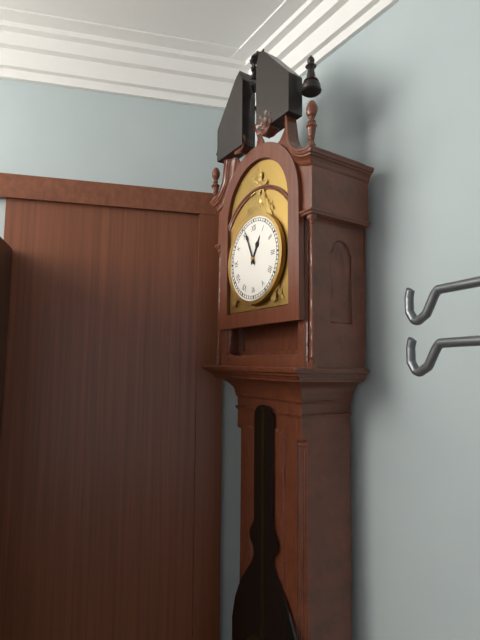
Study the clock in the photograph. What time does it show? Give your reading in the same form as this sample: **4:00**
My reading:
**12:56**
